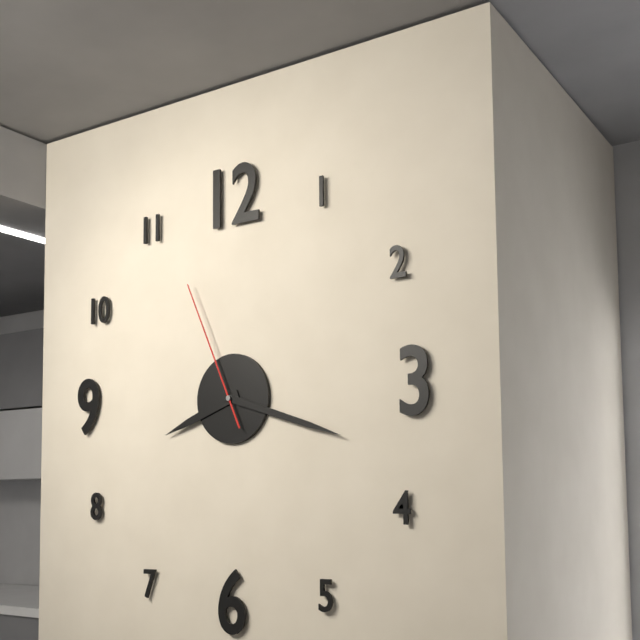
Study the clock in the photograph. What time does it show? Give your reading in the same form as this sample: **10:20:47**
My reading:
**8:18:56**
